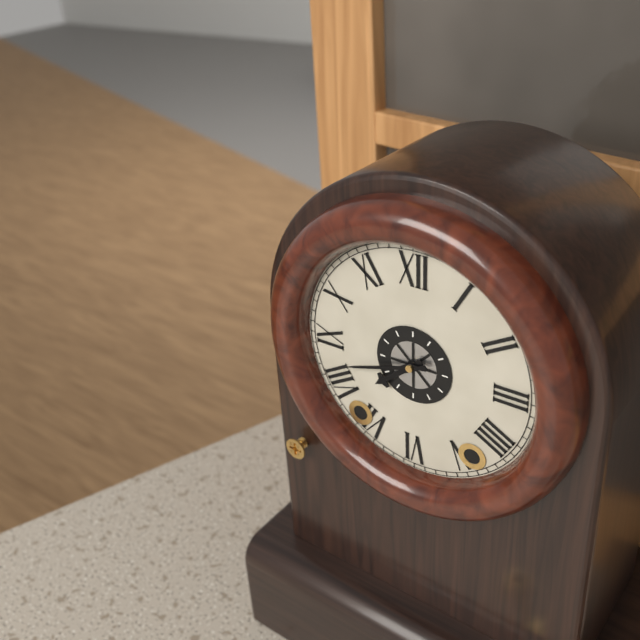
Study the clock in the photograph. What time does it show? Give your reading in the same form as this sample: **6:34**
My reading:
**7:42**
